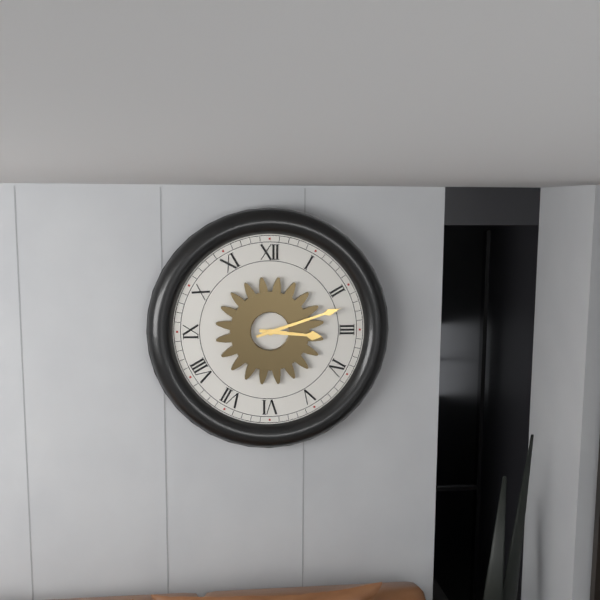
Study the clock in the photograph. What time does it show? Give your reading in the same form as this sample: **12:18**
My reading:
**3:12**
